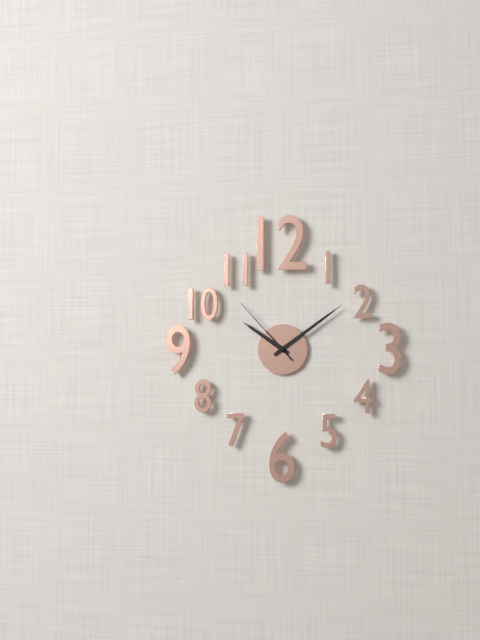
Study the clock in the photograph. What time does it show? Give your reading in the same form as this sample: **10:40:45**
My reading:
**10:09:53**
